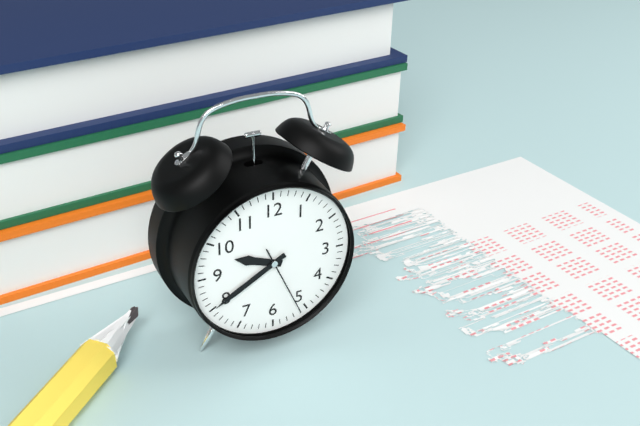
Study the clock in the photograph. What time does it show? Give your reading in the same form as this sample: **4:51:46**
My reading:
**9:40:26**
